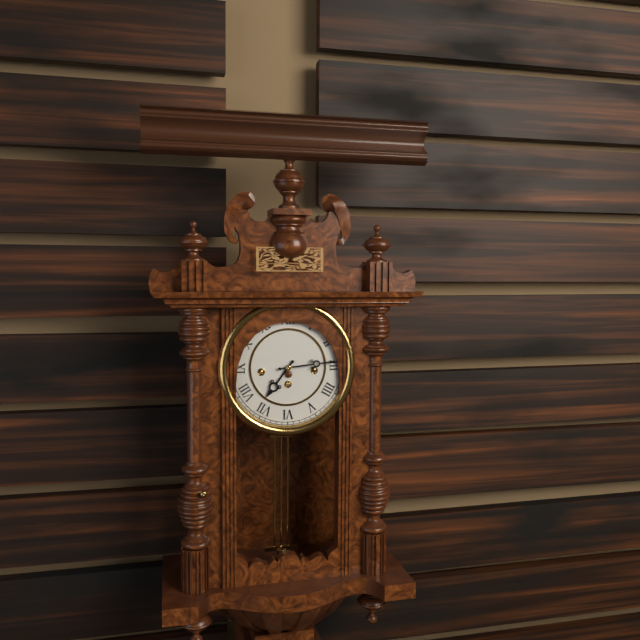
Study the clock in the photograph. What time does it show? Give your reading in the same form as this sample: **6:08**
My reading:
**7:14**
